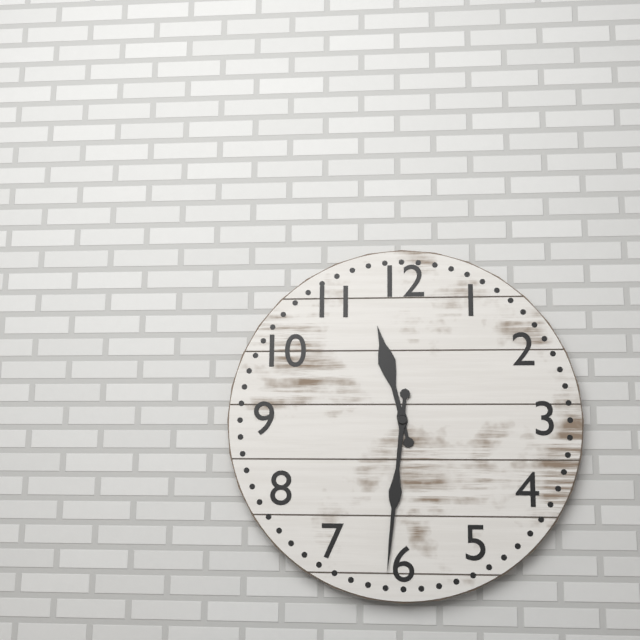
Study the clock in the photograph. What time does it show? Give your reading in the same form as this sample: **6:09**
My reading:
**11:31**
